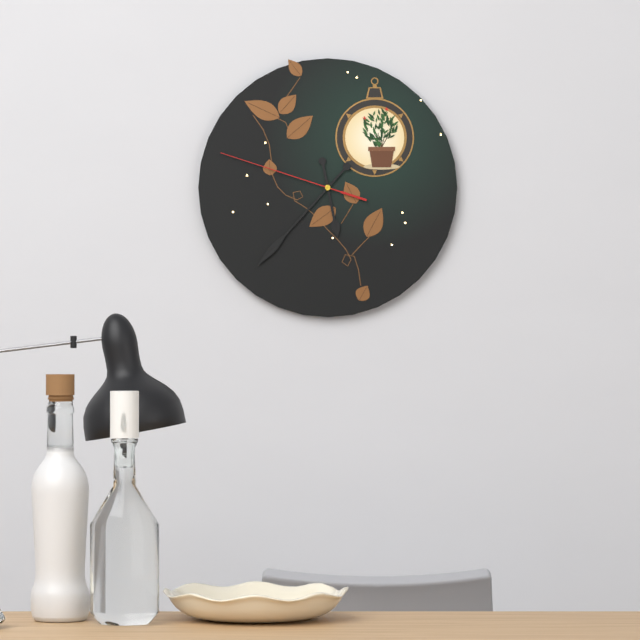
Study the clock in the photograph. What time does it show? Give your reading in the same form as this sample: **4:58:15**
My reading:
**5:37:48**
